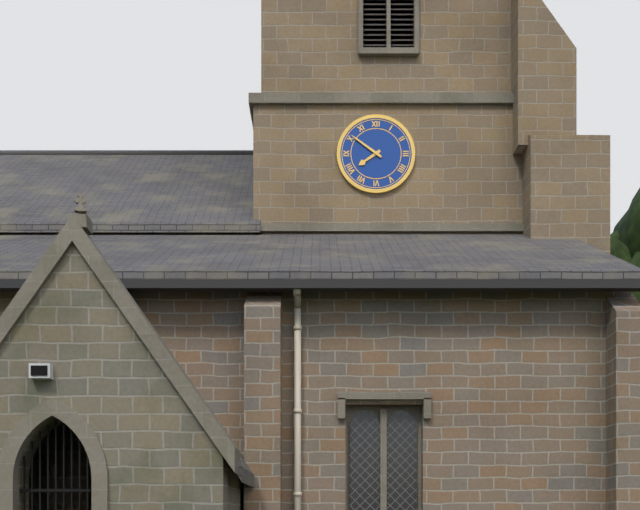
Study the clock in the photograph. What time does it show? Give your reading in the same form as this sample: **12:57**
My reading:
**7:51**
